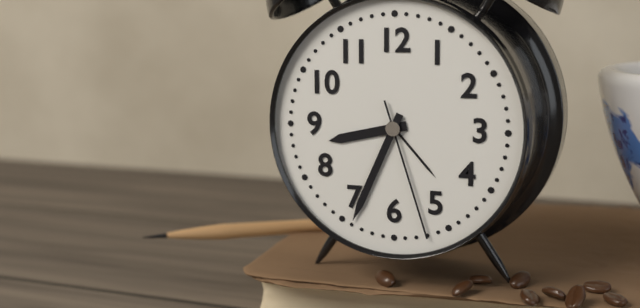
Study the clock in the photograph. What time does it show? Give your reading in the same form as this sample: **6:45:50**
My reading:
**8:34:27**
